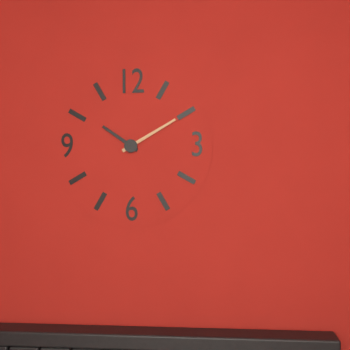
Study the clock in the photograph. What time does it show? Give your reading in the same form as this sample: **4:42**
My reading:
**10:10**
